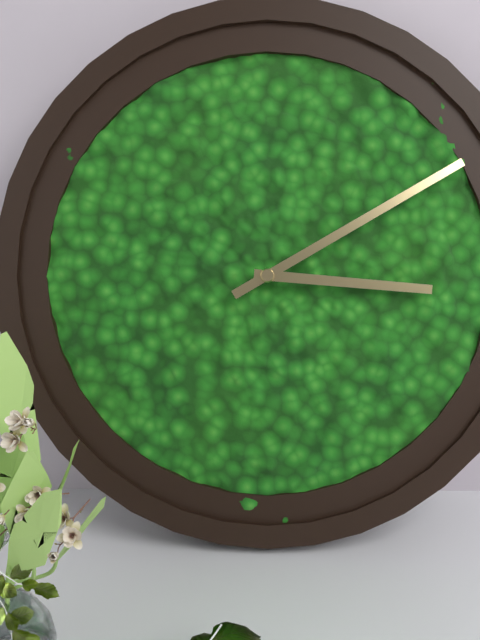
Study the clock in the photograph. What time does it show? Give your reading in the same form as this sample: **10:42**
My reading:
**3:10**
